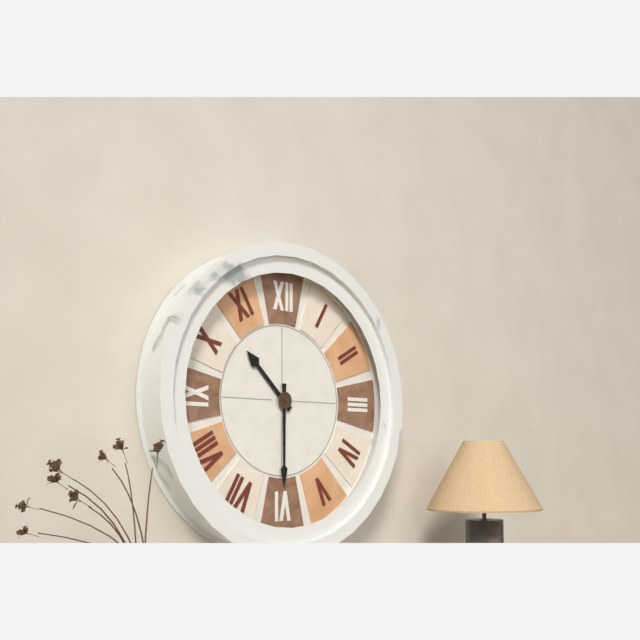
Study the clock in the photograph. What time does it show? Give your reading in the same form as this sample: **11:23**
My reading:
**10:30**
